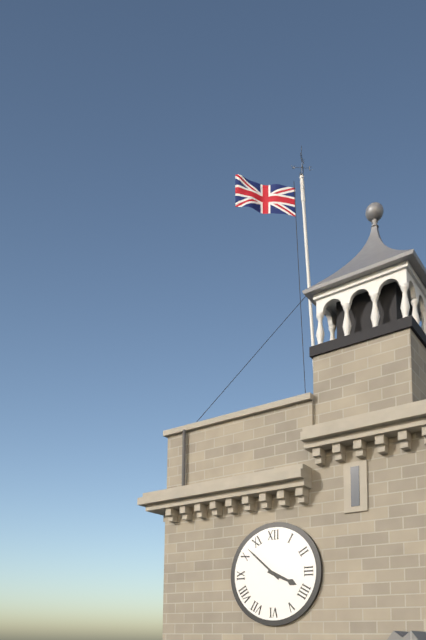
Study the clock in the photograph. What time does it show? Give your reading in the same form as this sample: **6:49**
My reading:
**3:52**
